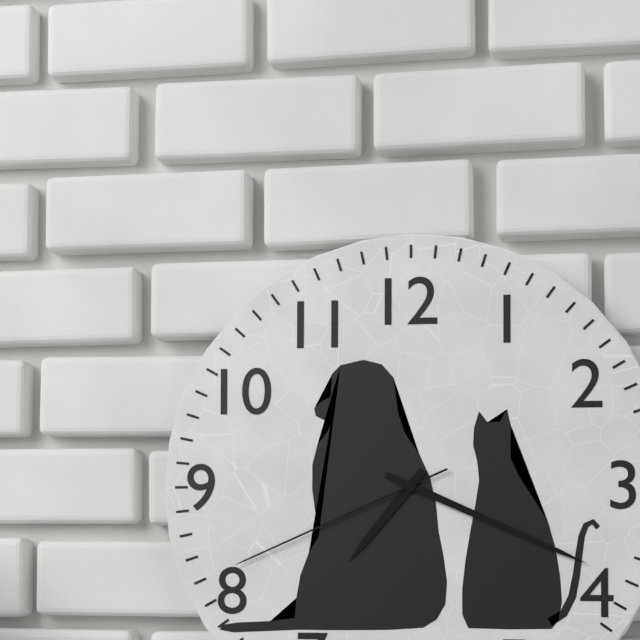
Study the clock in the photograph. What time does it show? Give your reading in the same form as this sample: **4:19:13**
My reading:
**7:19:41**
